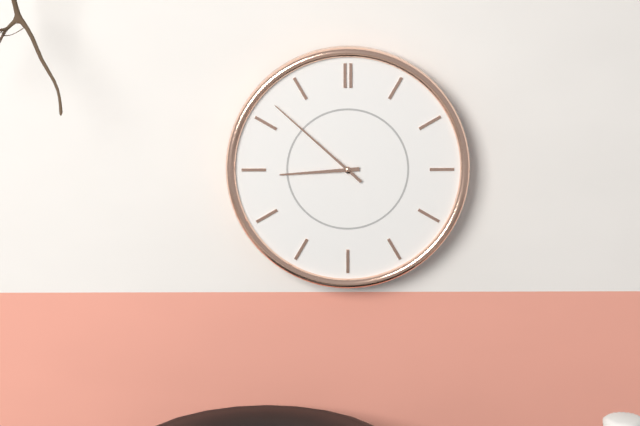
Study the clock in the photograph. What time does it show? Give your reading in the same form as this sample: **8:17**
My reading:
**8:52**
